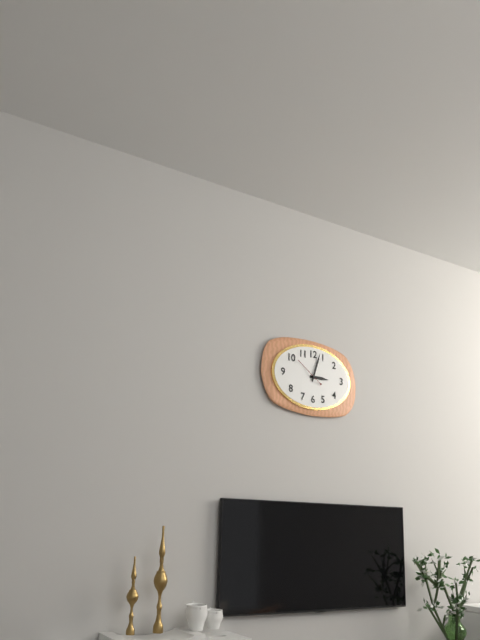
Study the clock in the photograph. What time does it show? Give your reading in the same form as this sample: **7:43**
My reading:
**3:03**
